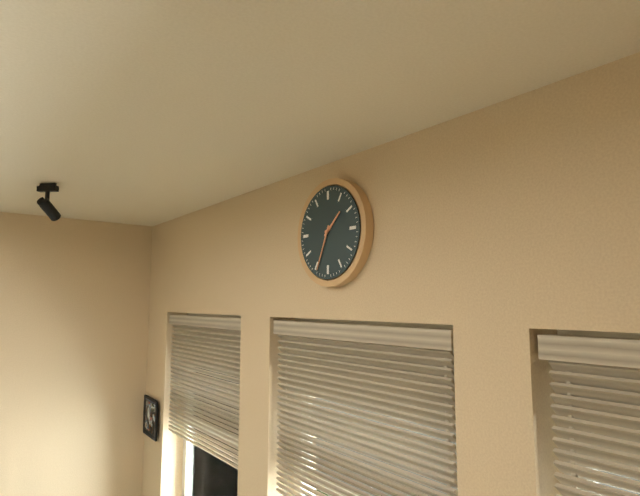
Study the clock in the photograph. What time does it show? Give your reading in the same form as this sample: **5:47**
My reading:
**1:34**
